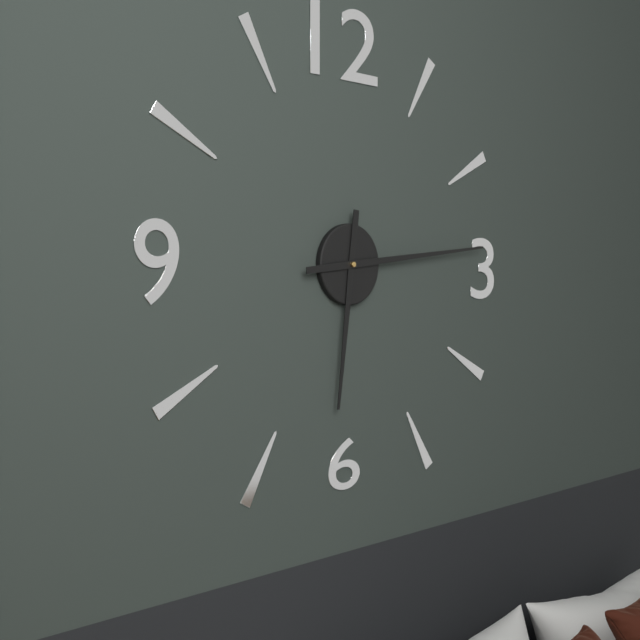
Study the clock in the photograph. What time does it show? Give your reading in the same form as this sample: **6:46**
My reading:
**6:14**
